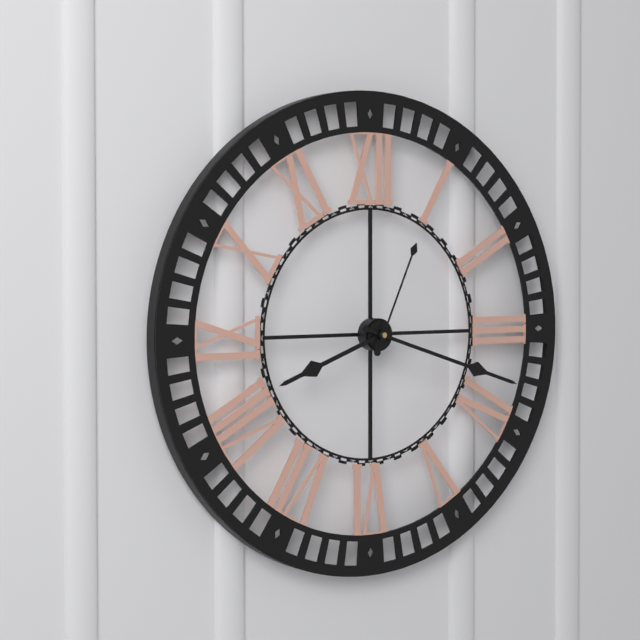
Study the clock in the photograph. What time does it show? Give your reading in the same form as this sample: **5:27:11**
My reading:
**8:18:04**
